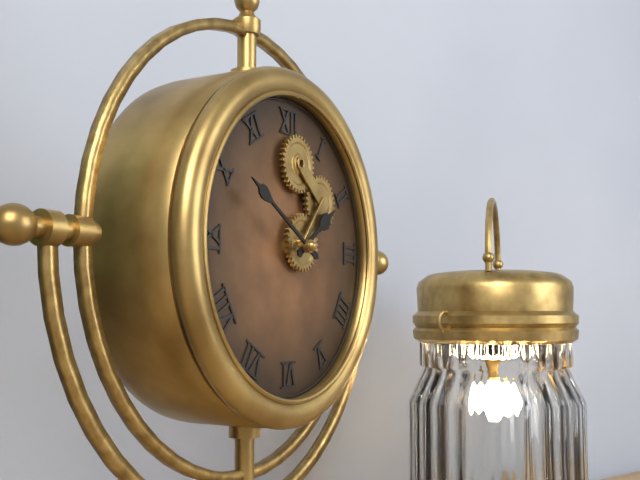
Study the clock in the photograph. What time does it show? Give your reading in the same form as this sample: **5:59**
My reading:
**1:50**
